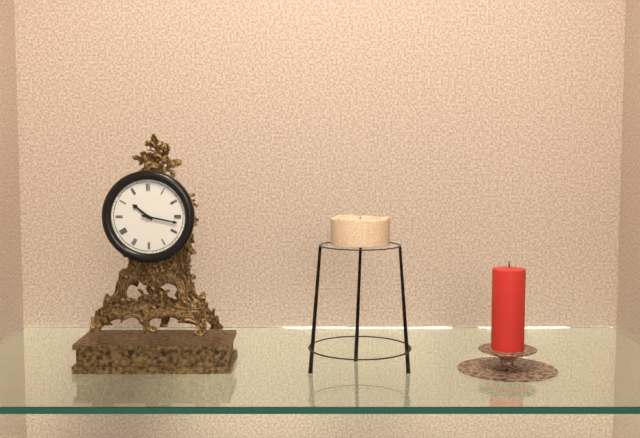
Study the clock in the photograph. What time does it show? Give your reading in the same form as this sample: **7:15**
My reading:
**10:17**
